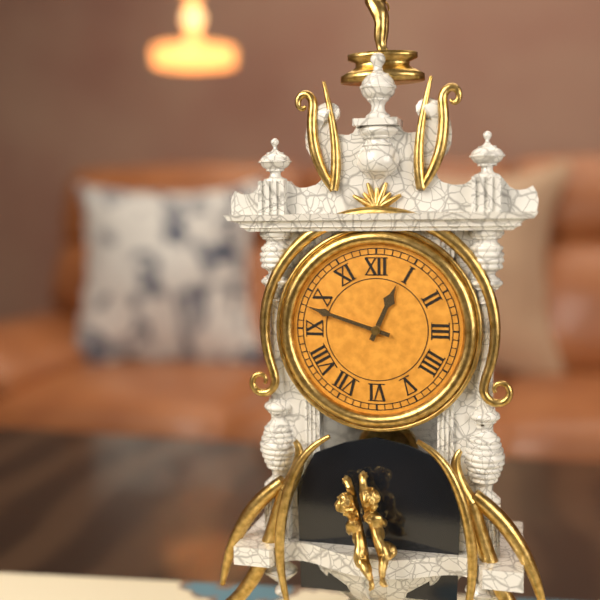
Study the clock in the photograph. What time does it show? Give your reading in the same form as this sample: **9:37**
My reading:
**12:48**
